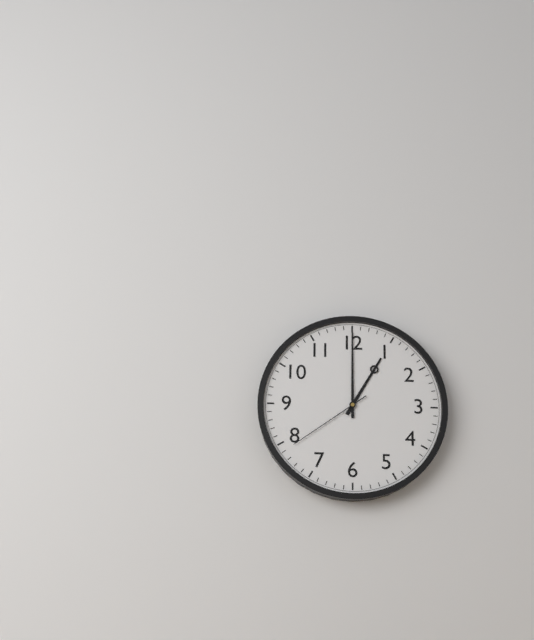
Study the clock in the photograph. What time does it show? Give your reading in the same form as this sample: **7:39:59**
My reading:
**1:00:39**
